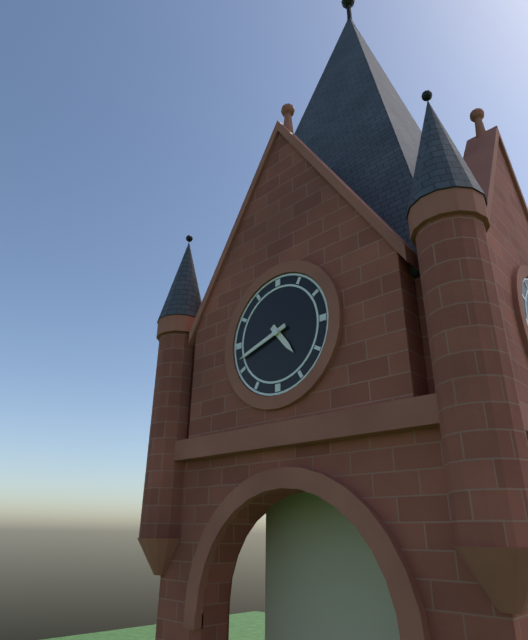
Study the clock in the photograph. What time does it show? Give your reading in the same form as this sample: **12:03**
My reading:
**4:42**
